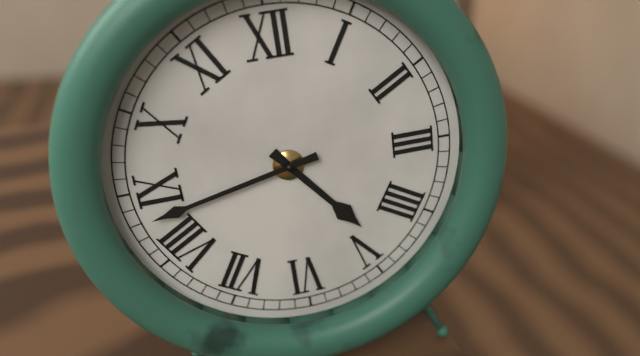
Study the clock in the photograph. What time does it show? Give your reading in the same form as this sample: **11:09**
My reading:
**4:43**
